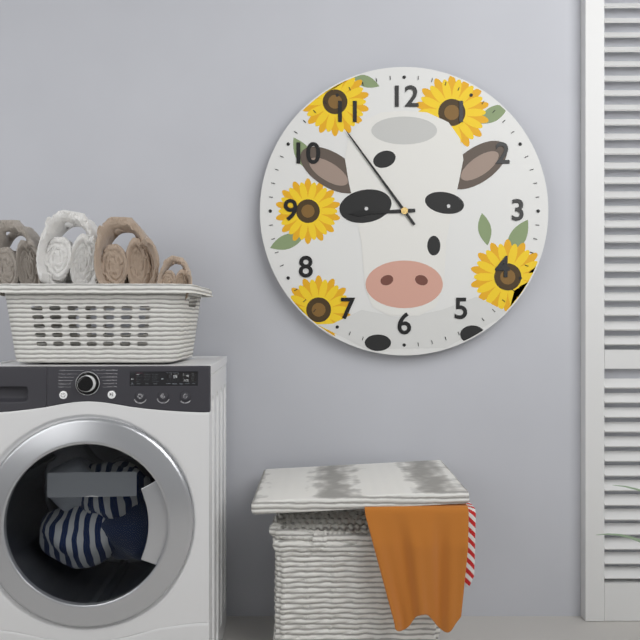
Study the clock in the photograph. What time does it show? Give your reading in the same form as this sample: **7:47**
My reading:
**8:54**
